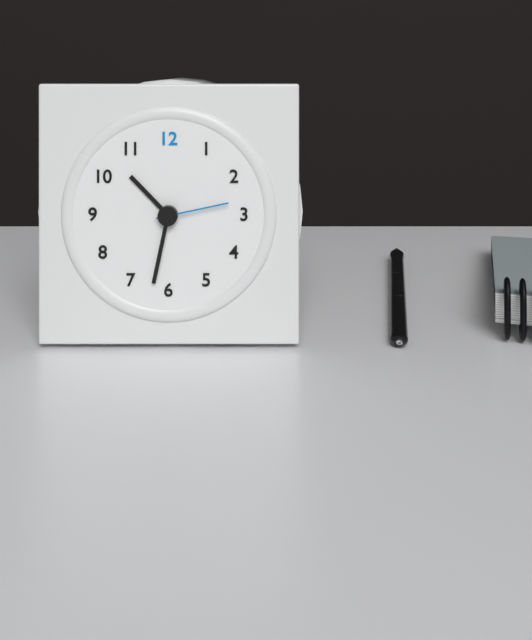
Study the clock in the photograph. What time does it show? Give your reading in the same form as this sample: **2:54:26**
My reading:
**10:32:13**
